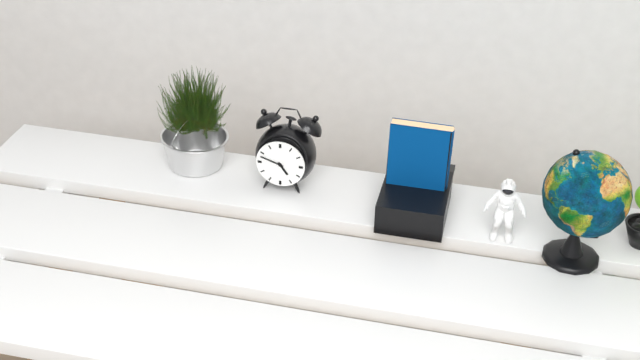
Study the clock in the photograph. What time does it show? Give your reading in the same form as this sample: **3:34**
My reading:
**4:48**
